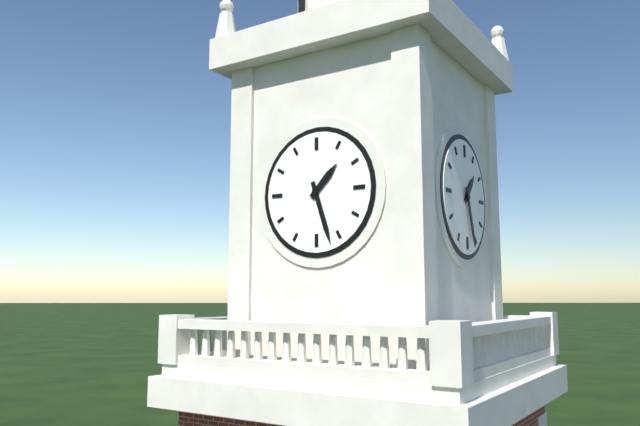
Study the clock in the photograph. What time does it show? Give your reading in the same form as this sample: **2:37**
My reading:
**1:27**
